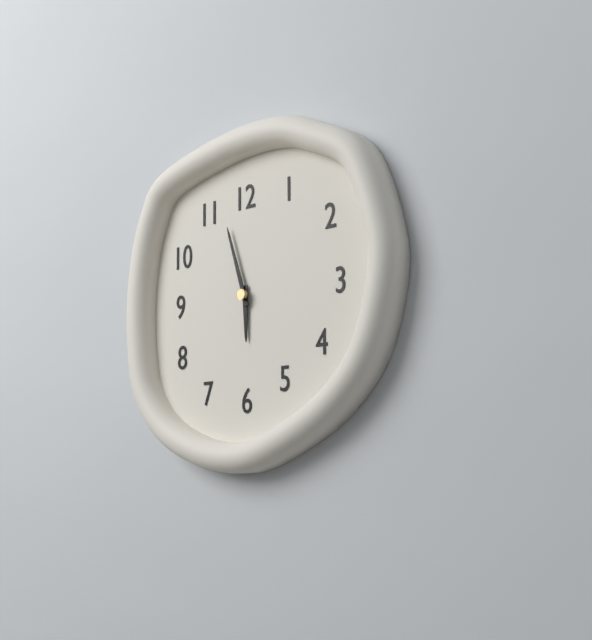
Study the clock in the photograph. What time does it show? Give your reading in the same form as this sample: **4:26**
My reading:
**5:57**
